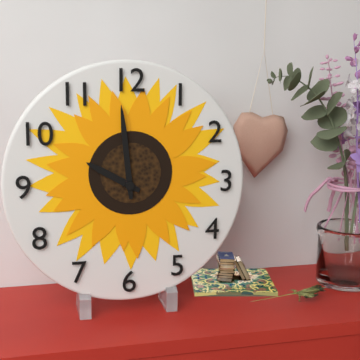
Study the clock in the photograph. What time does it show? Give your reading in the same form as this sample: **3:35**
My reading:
**9:59**
